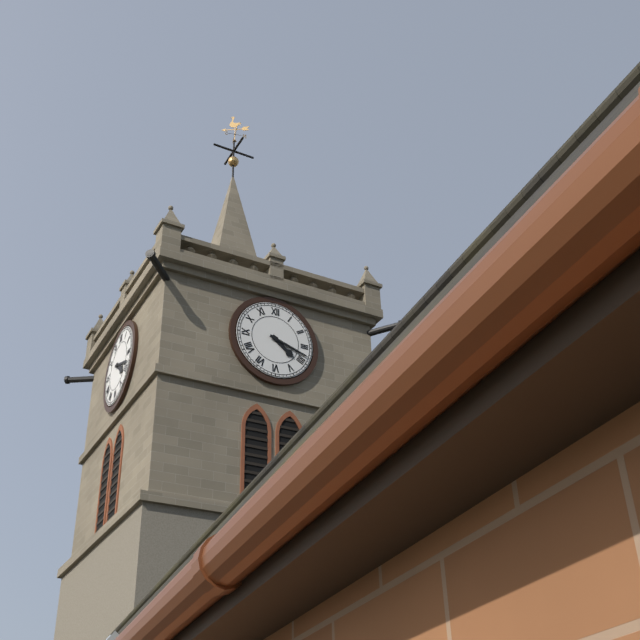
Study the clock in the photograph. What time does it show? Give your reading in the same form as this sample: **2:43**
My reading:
**4:18**
